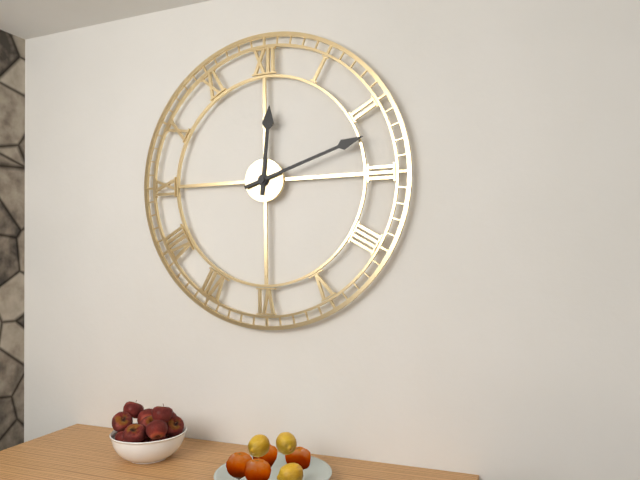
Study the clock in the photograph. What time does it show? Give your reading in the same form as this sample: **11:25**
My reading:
**12:12**
